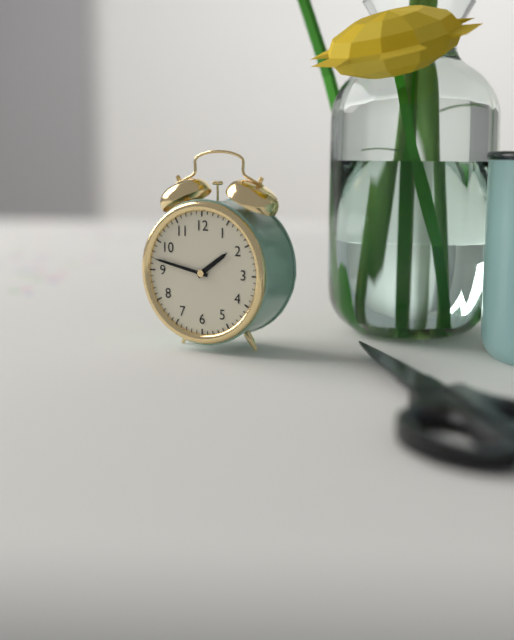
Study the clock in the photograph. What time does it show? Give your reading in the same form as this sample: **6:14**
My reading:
**1:47**
